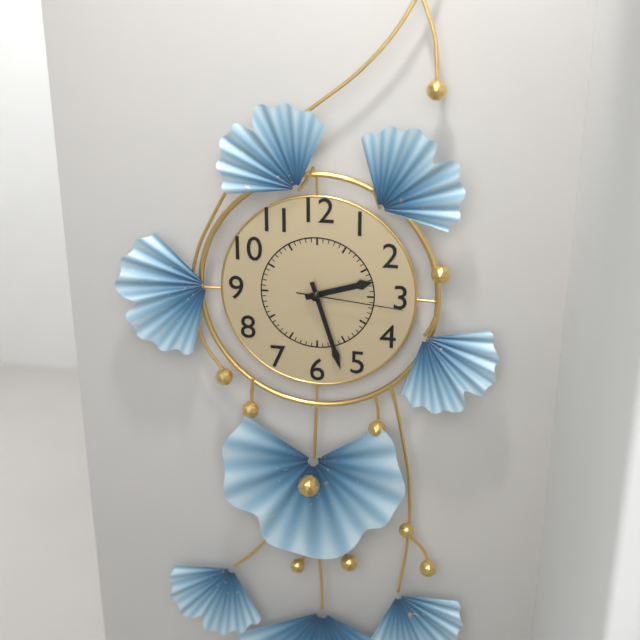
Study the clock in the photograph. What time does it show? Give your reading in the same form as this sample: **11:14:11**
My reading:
**2:27:16**
